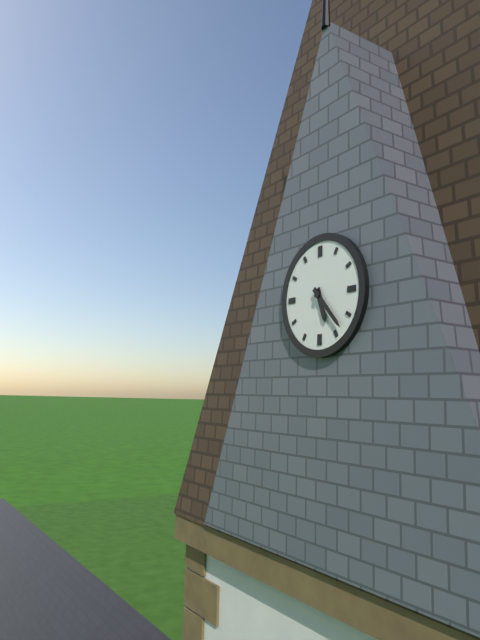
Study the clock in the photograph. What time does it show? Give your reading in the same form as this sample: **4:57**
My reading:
**5:23**
